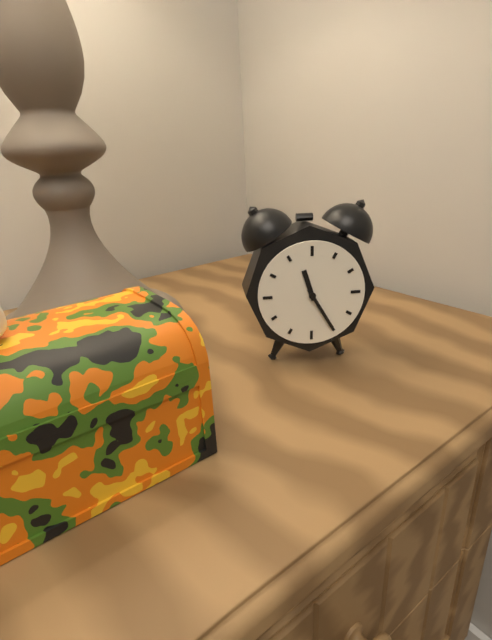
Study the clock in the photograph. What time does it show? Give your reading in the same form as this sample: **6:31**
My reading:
**11:25**
